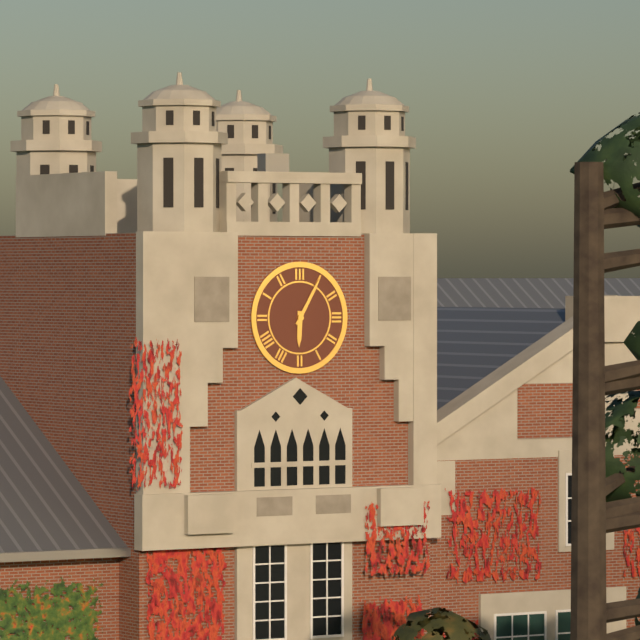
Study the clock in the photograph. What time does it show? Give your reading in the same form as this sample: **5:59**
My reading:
**6:05**
